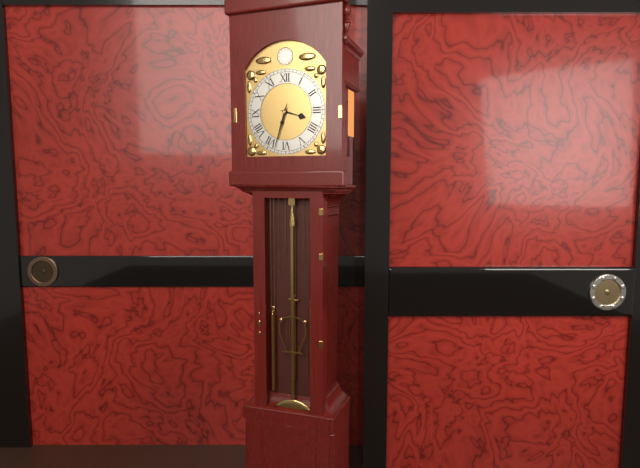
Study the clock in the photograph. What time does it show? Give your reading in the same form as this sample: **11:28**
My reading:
**3:33**
